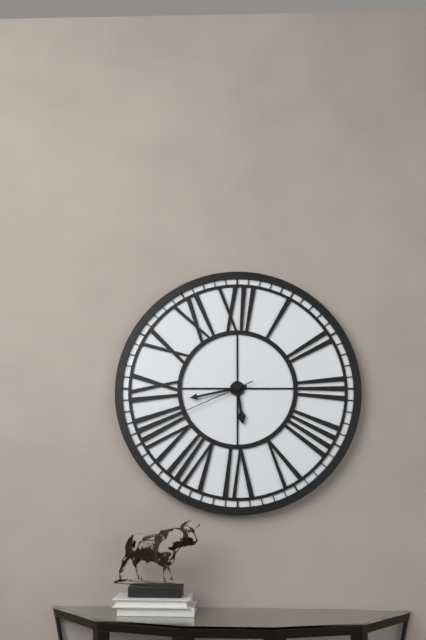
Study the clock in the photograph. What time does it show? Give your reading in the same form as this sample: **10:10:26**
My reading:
**5:43:41**
